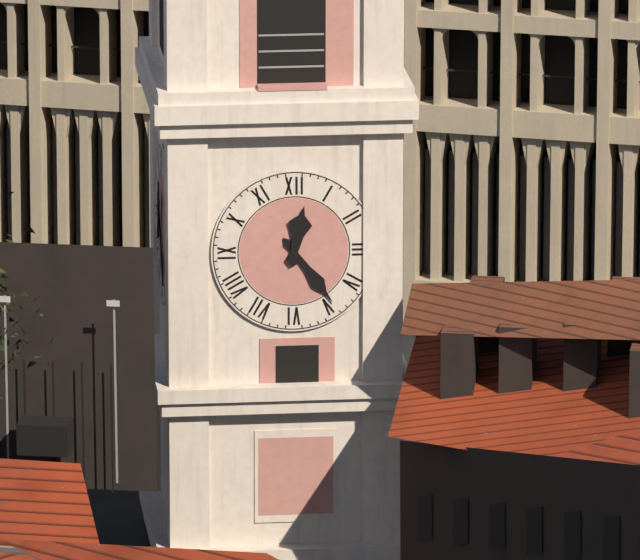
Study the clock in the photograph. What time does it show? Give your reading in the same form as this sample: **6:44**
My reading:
**12:24**
